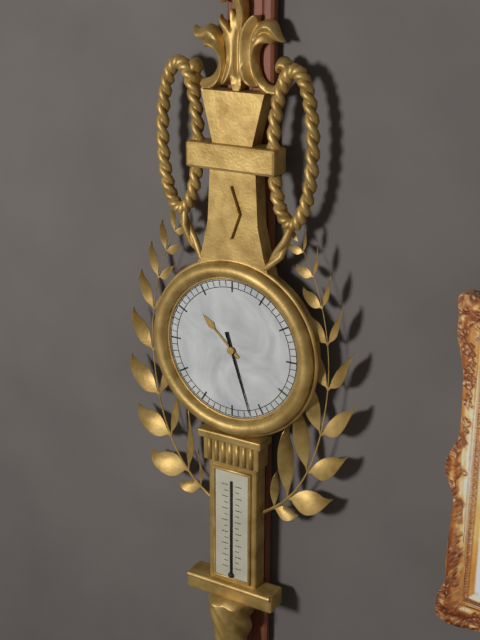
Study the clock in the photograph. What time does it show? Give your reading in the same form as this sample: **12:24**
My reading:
**10:27**
